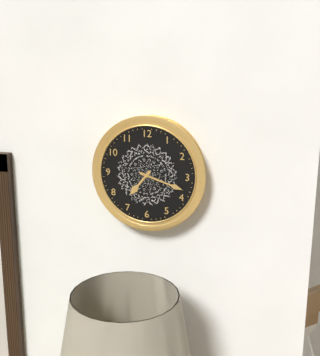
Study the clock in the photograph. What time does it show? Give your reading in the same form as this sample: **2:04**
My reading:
**7:18**
